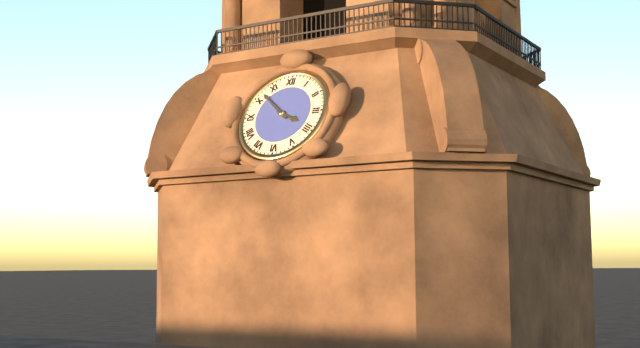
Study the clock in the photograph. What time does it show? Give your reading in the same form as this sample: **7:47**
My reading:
**3:52**
